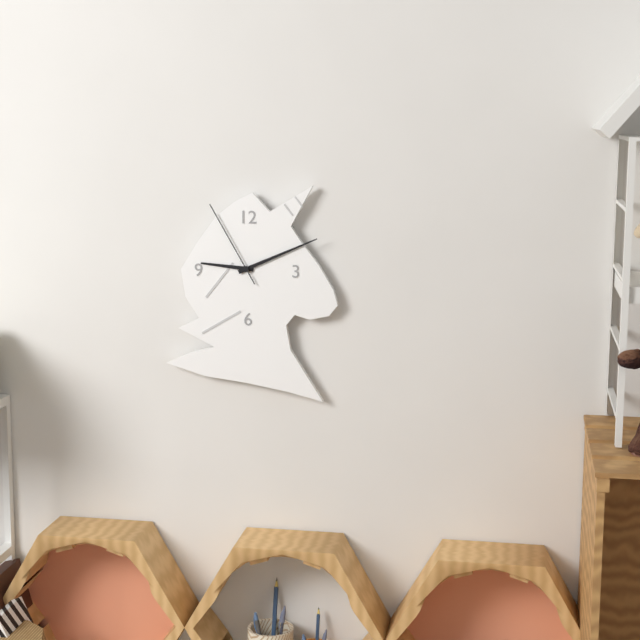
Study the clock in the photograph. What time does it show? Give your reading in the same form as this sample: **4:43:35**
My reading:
**9:11:55**
